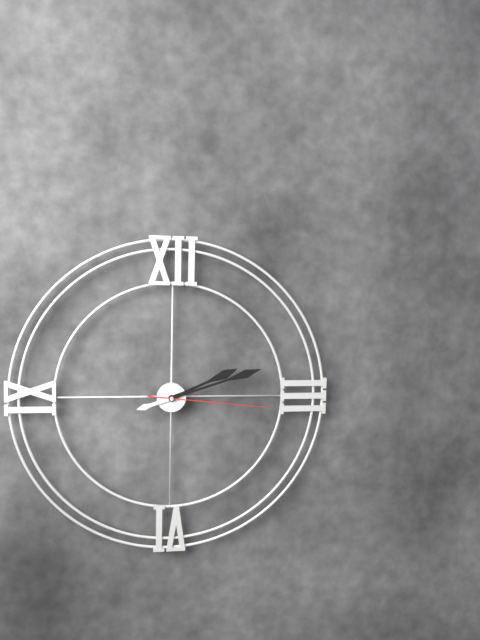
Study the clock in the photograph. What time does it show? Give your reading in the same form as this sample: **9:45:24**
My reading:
**2:12:16**
